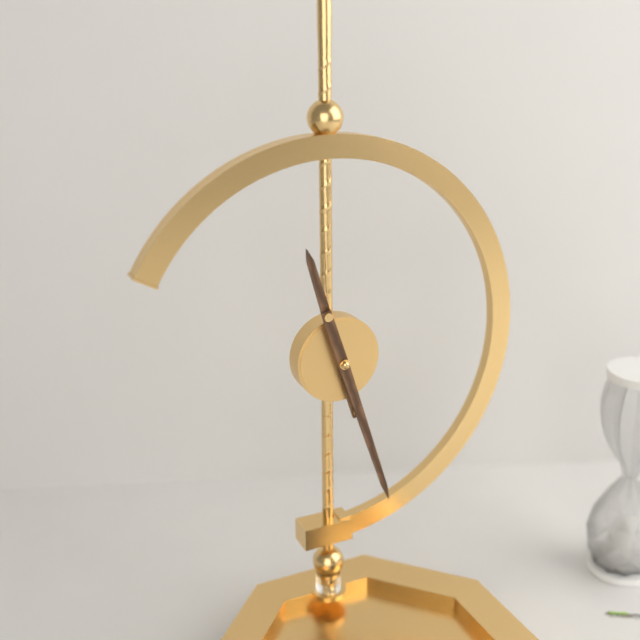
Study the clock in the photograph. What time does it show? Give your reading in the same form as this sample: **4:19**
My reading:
**11:27**
